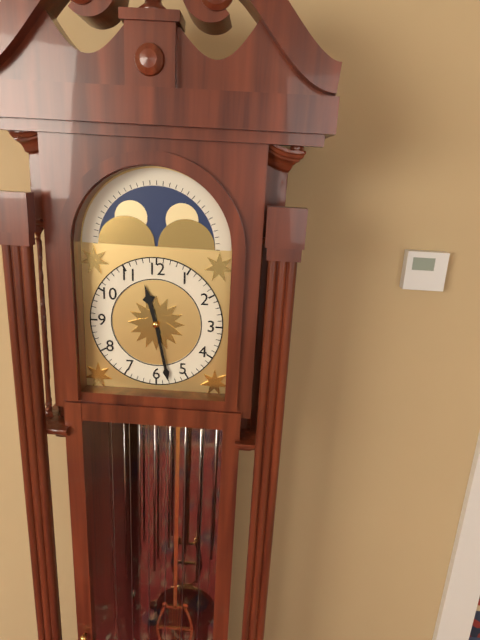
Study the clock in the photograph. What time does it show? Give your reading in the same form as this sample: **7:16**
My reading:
**11:28**
